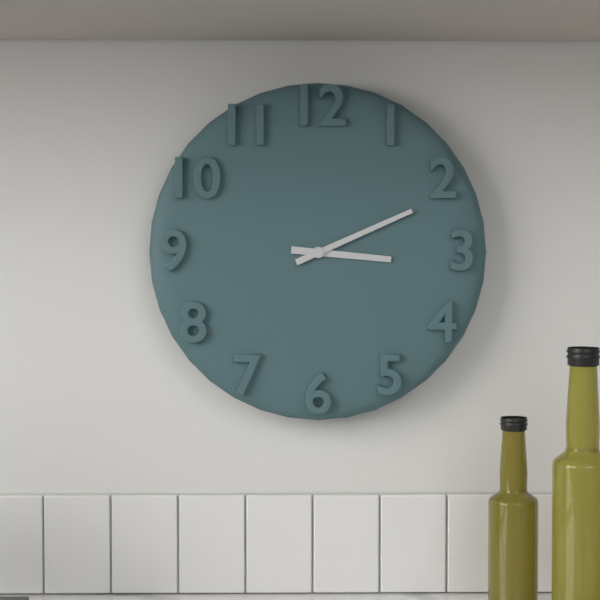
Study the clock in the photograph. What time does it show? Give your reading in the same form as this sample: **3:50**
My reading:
**3:11**
